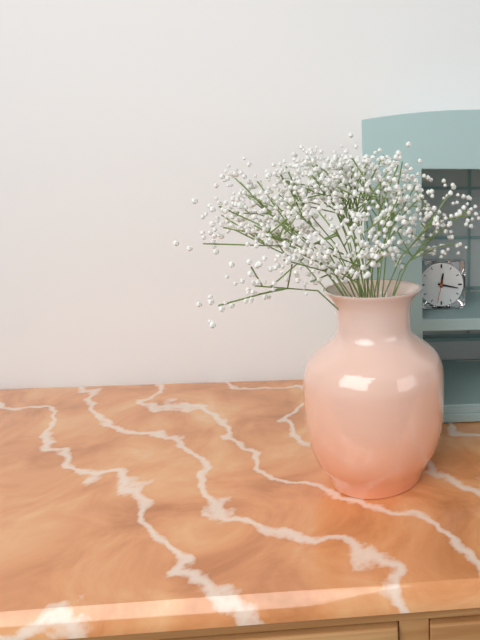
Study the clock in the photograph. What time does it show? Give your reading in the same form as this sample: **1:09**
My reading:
**12:17**
